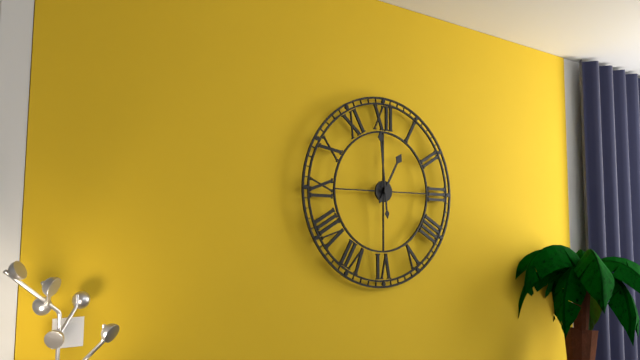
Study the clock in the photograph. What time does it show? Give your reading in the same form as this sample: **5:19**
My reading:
**12:59**
